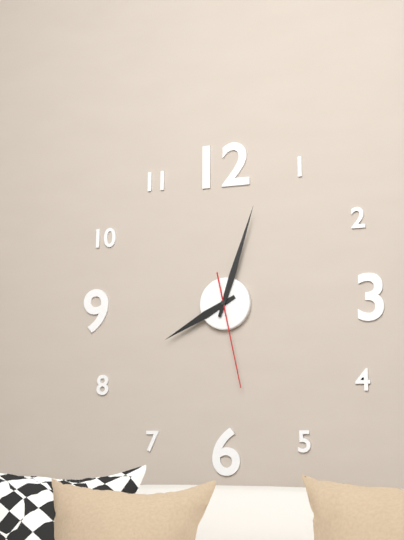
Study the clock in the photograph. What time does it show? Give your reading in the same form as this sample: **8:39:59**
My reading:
**8:03:28**
